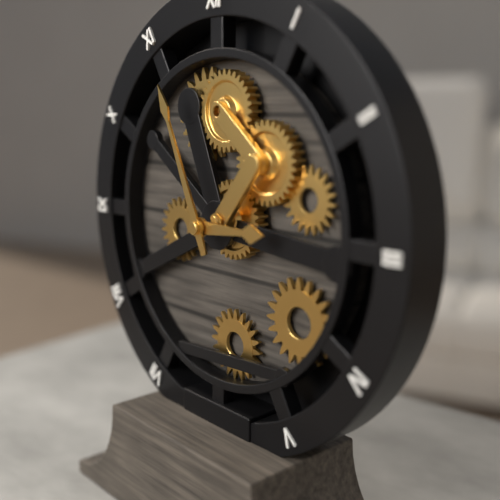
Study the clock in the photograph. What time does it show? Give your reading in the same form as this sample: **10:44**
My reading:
**2:56**
